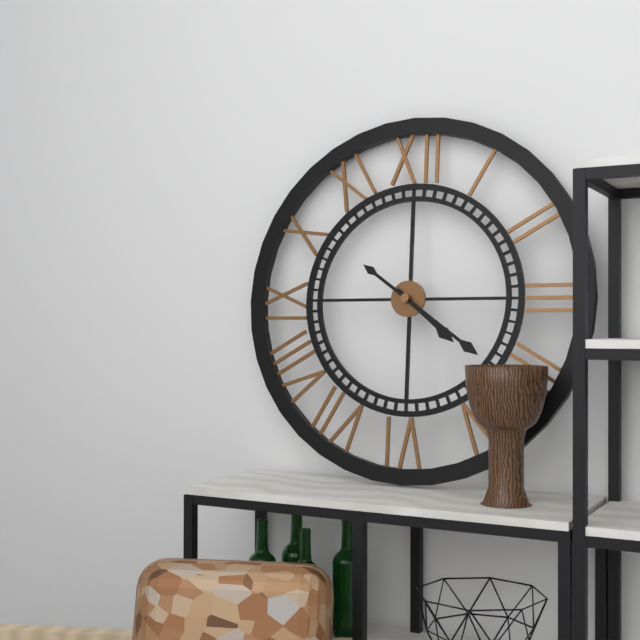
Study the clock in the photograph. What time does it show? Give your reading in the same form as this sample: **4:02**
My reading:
**4:21**
